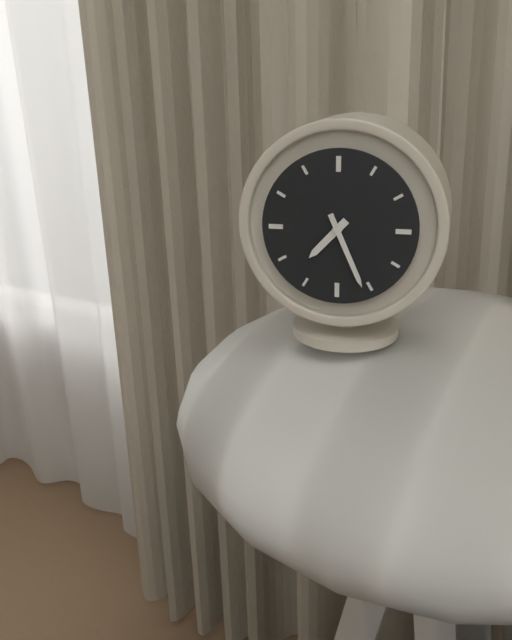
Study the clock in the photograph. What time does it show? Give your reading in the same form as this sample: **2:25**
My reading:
**7:26**
